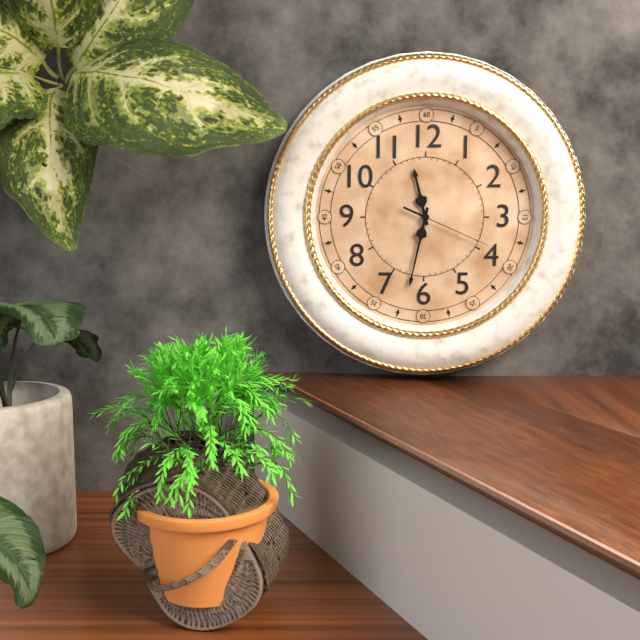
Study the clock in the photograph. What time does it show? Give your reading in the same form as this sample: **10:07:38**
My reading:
**11:32:19**
